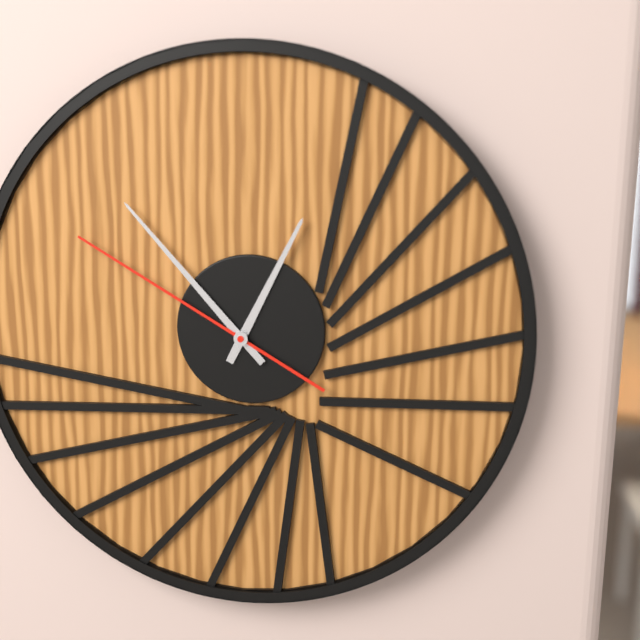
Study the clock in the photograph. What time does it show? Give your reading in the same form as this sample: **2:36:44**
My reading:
**12:53:50**
